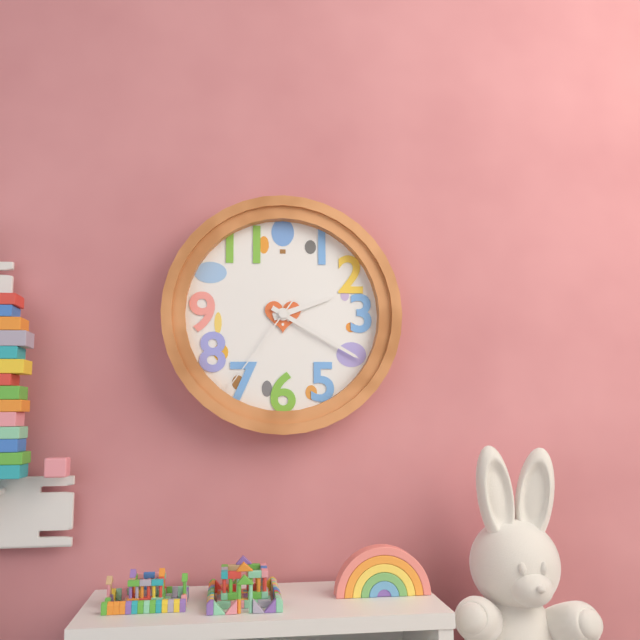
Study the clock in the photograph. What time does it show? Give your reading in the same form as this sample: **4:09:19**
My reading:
**2:20:36**
